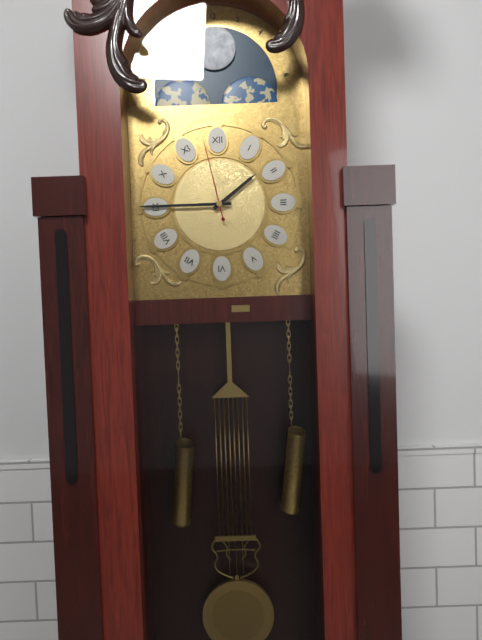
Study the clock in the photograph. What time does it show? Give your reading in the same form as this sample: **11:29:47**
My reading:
**1:45:58**
